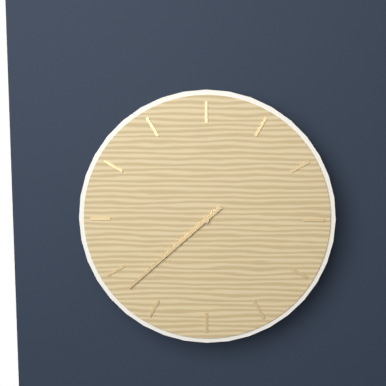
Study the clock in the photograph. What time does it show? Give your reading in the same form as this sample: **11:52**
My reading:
**7:38**
